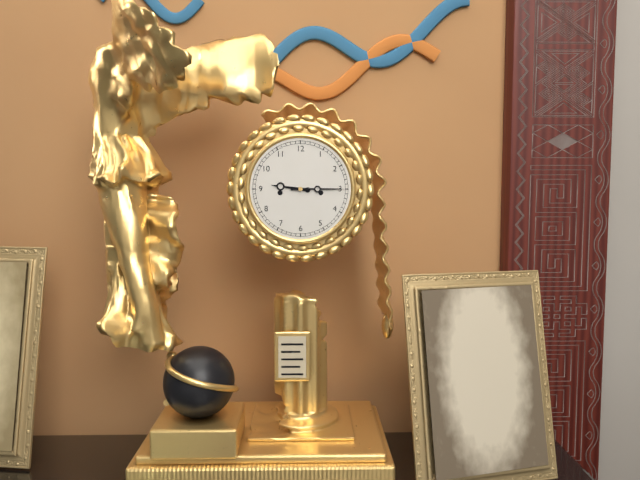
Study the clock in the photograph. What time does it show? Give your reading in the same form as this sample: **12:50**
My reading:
**9:15**
